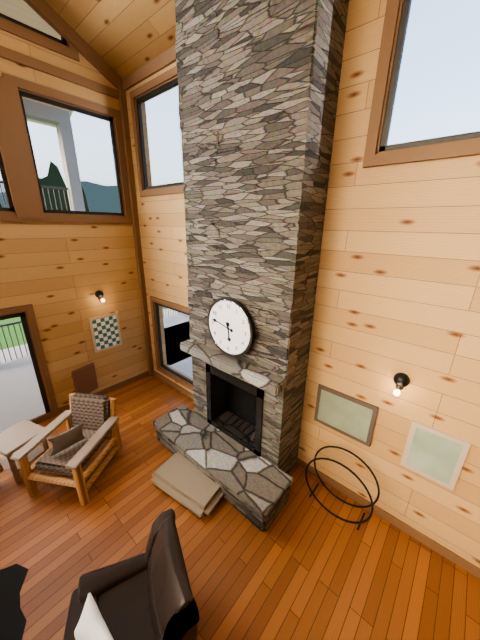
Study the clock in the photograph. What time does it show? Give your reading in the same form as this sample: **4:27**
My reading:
**5:47**
